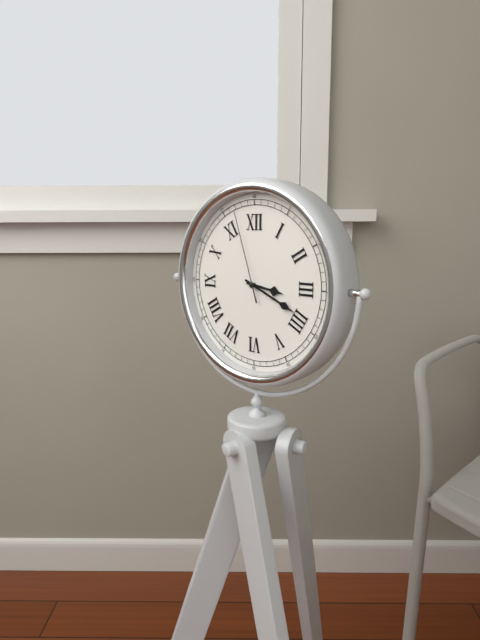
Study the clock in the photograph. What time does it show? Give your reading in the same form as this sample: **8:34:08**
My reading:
**3:19:57**
